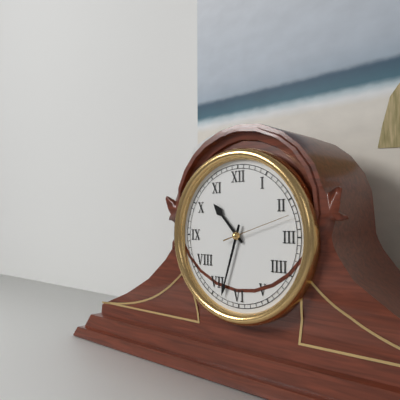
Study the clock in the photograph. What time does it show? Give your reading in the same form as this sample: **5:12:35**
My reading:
**10:33:12**
